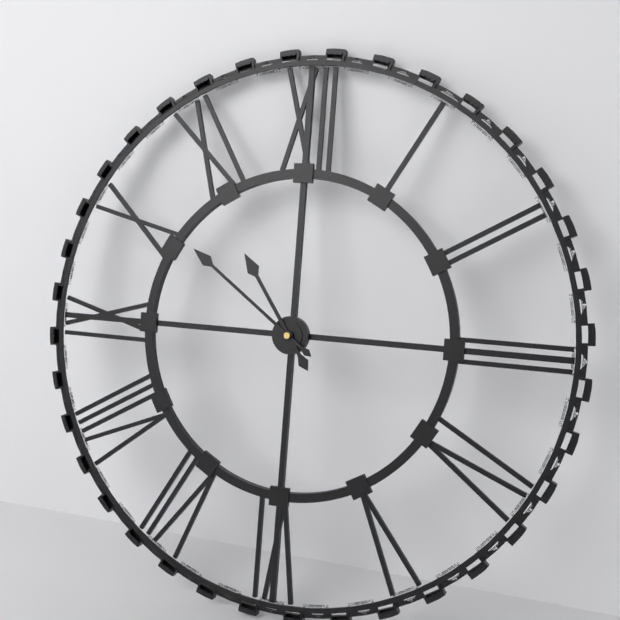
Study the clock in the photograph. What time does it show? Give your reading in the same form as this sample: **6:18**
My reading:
**10:51**
